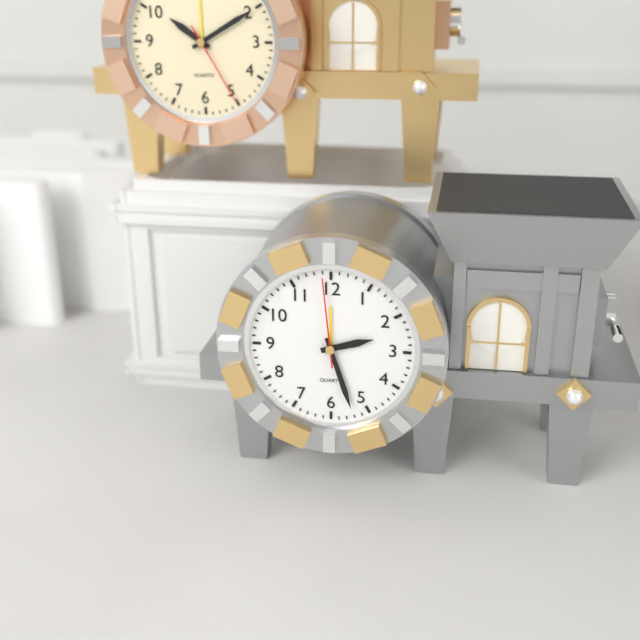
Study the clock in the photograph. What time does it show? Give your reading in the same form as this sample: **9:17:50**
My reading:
**2:27:59**
